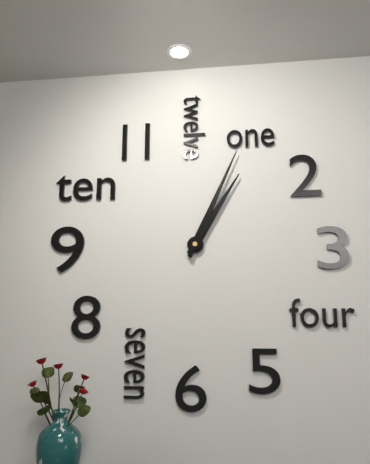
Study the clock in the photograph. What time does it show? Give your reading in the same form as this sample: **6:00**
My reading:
**1:04**
